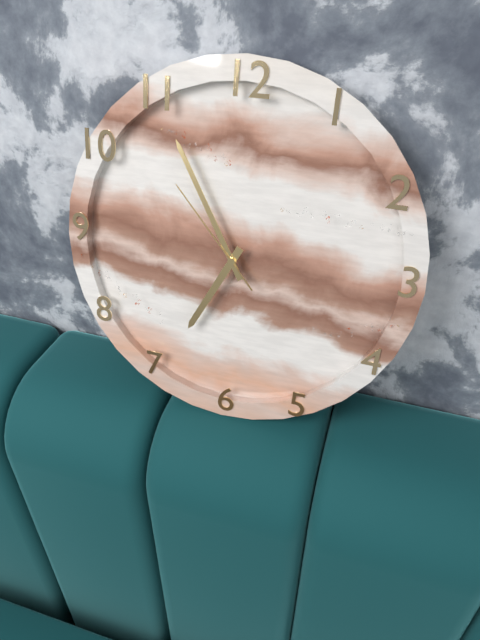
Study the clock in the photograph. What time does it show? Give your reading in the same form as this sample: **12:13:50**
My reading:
**6:55:53**
